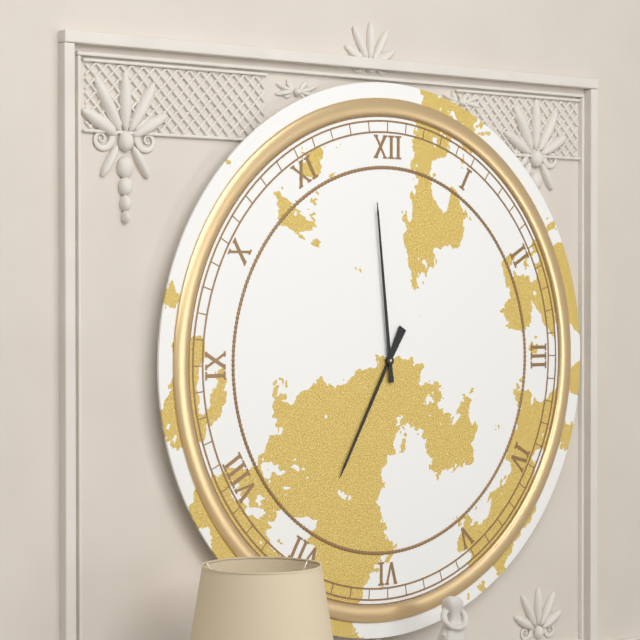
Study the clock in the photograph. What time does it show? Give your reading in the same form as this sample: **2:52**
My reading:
**6:59**
